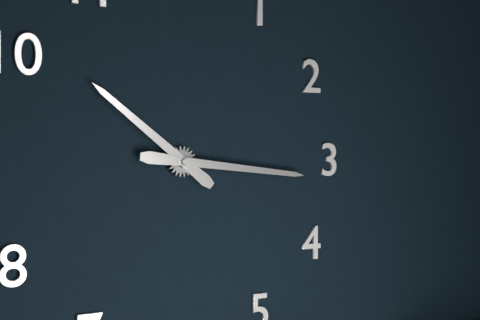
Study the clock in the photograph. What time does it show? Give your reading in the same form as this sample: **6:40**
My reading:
**10:16**
